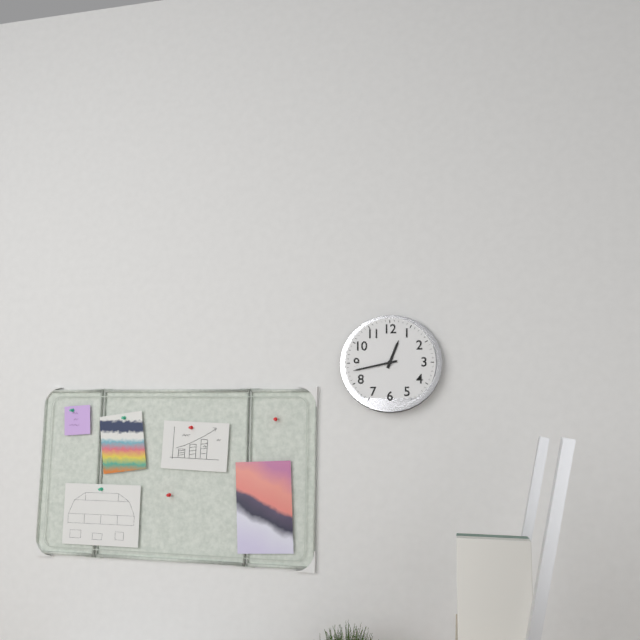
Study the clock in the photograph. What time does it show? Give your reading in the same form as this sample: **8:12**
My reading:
**12:43**
